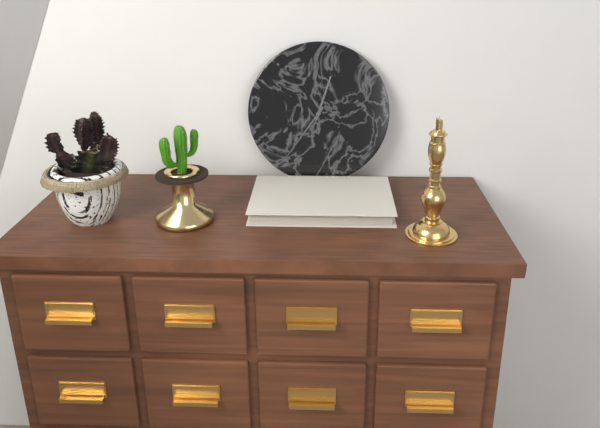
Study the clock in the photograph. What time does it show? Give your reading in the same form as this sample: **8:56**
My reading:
**12:36**
